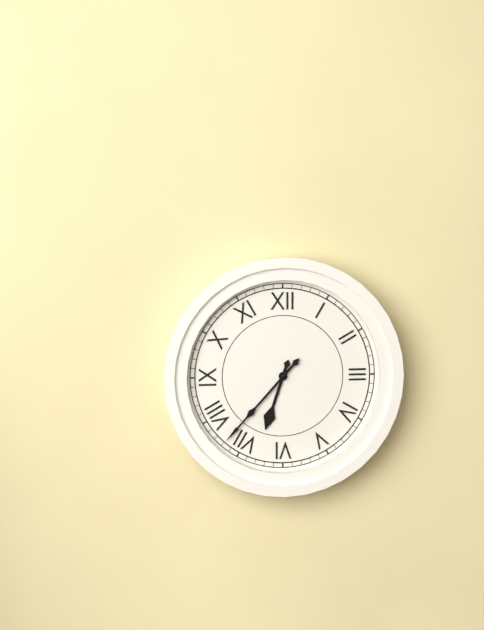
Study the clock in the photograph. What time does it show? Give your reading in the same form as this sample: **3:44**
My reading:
**6:37**
